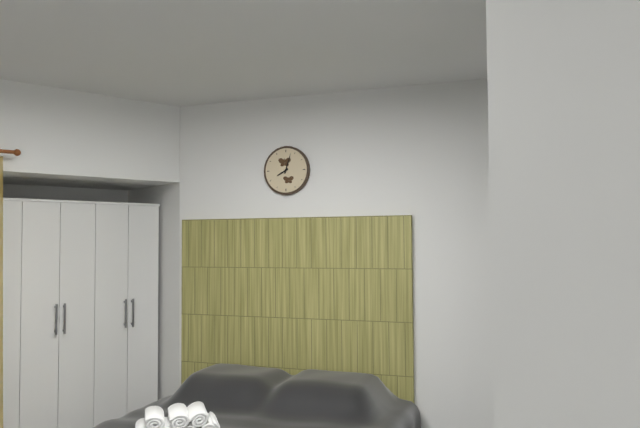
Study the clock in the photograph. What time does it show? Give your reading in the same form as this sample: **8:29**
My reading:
**8:03**
